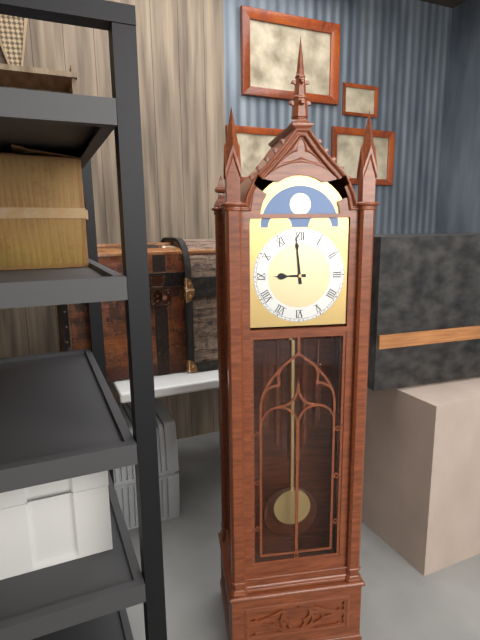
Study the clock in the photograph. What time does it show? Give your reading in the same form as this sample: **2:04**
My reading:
**8:59**
